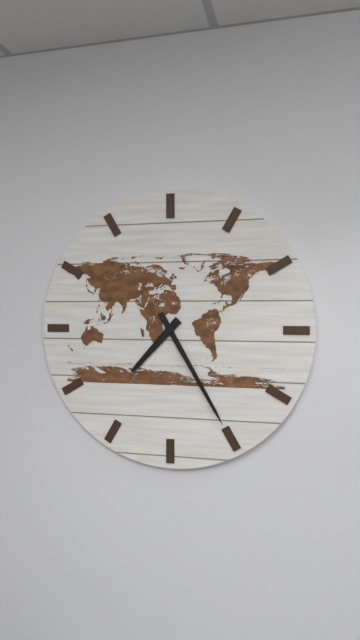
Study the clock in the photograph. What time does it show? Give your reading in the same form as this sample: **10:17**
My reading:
**7:25**
